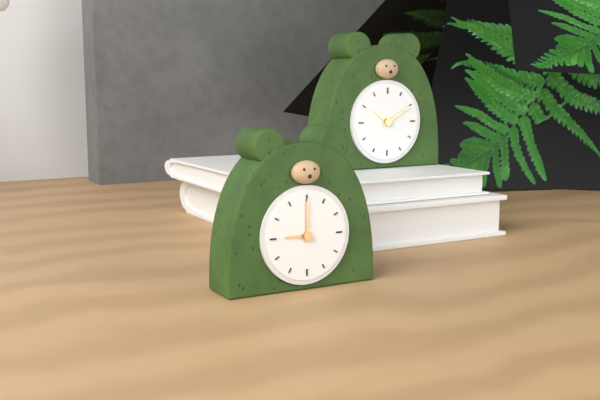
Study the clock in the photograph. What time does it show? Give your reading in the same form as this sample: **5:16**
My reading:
**9:00**
